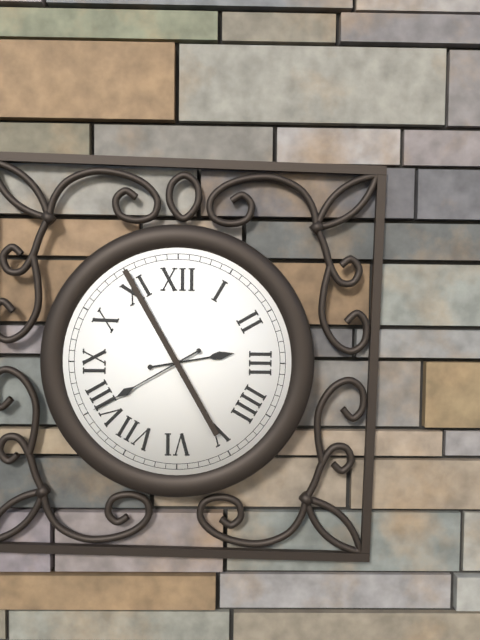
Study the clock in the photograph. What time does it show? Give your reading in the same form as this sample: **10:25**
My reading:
**2:40**
